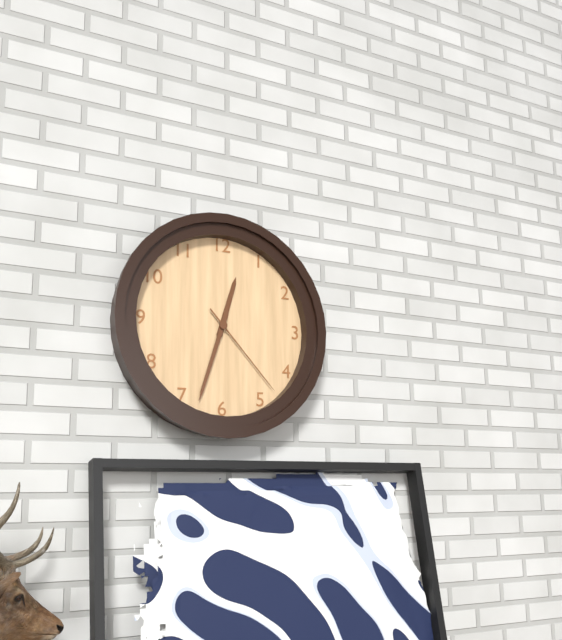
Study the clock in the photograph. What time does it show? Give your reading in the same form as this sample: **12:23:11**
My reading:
**12:33:23**
